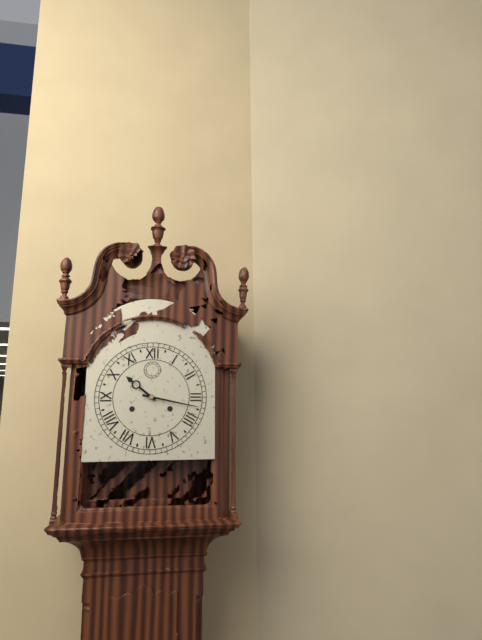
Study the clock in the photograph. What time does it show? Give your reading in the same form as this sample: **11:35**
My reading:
**10:17**
